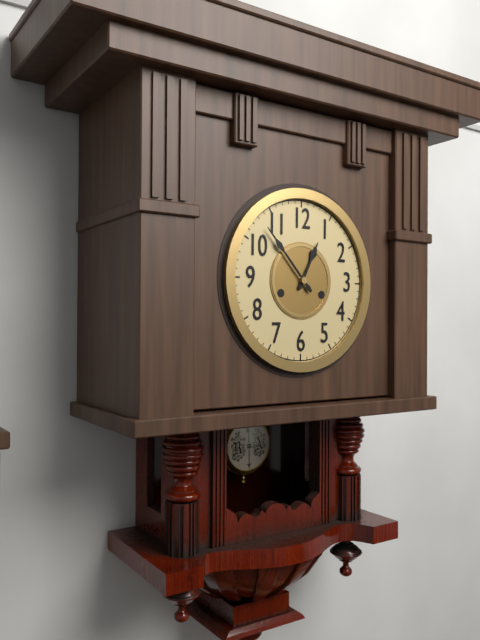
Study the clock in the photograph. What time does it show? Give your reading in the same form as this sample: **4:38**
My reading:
**12:53**
